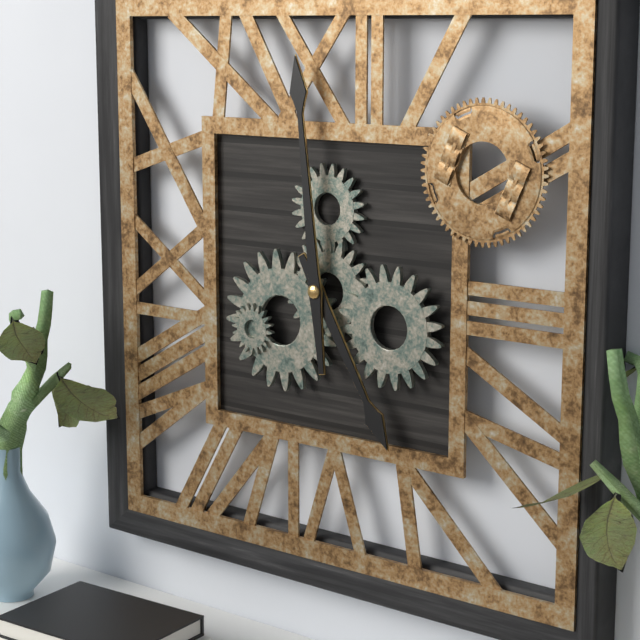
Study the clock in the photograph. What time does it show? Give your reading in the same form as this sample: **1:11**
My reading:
**4:59**
